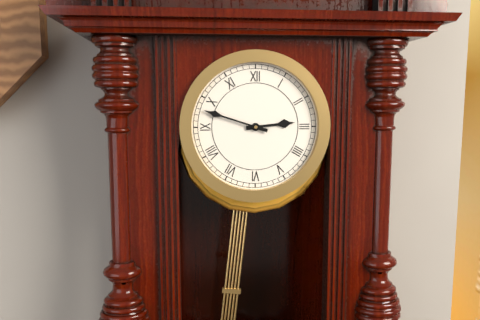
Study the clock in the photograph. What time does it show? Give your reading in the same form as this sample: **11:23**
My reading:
**2:48**
